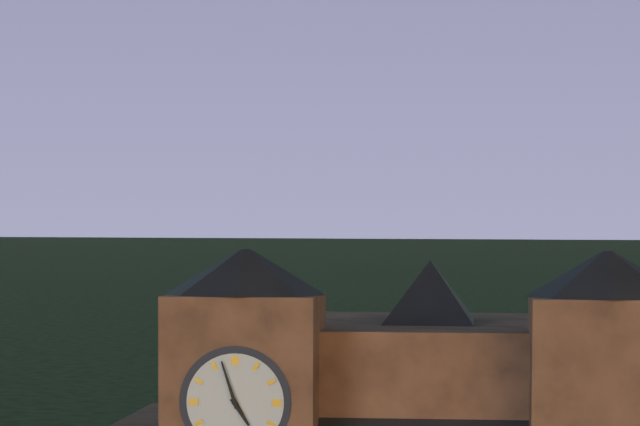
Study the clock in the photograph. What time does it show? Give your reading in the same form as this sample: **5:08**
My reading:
**4:57**
